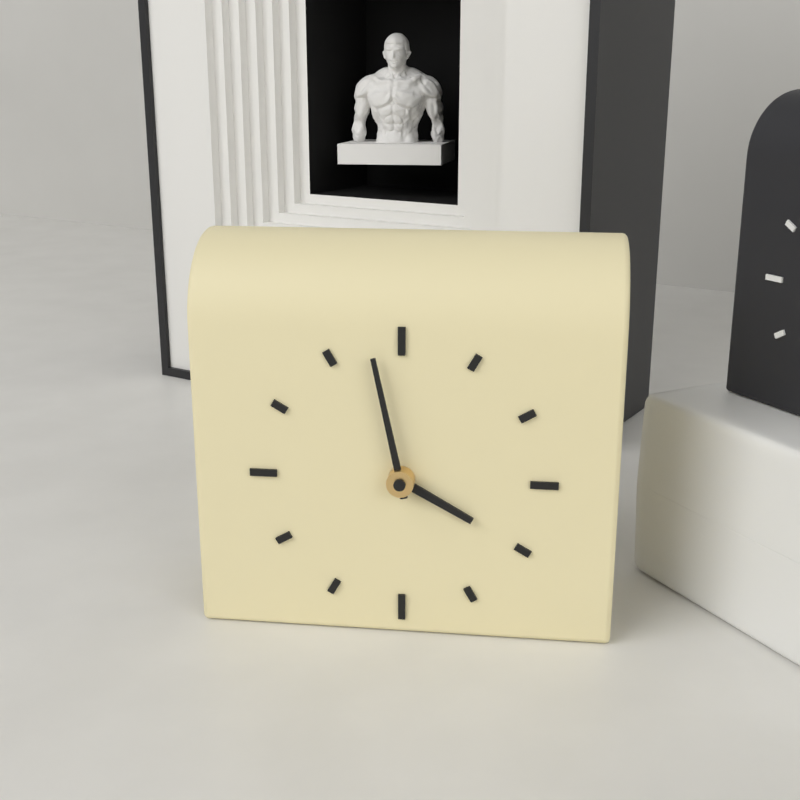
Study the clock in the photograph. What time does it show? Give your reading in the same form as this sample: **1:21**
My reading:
**3:58**
